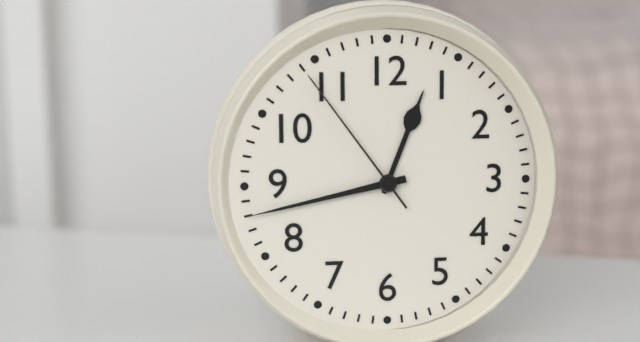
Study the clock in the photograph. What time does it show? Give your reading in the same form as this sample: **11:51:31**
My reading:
**12:43:54**
